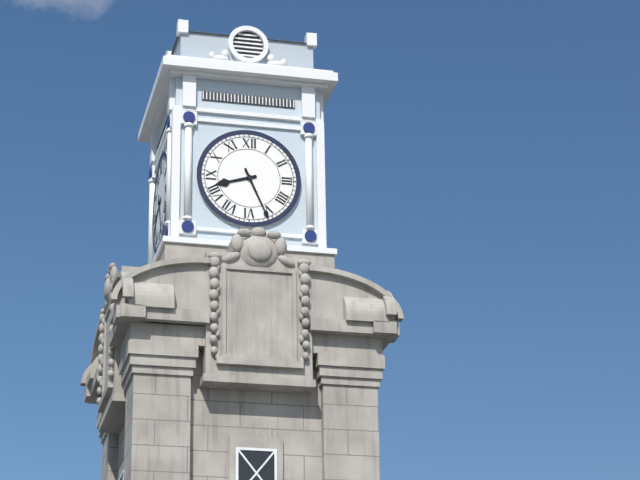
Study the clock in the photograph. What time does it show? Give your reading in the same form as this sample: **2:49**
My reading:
**8:26**
